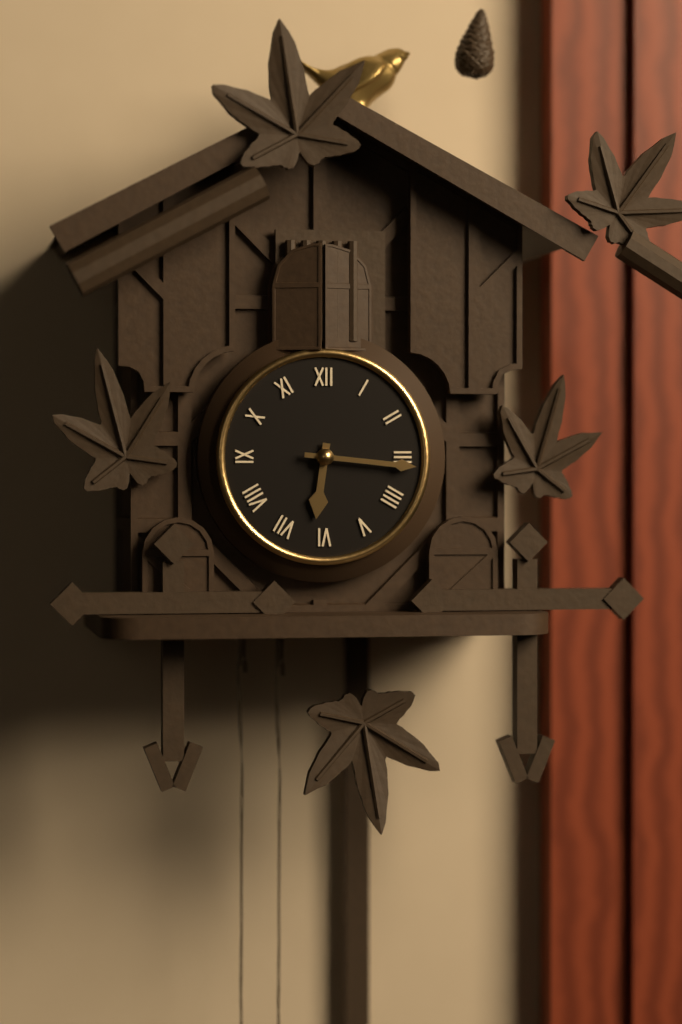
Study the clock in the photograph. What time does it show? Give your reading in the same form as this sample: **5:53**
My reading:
**6:16**
